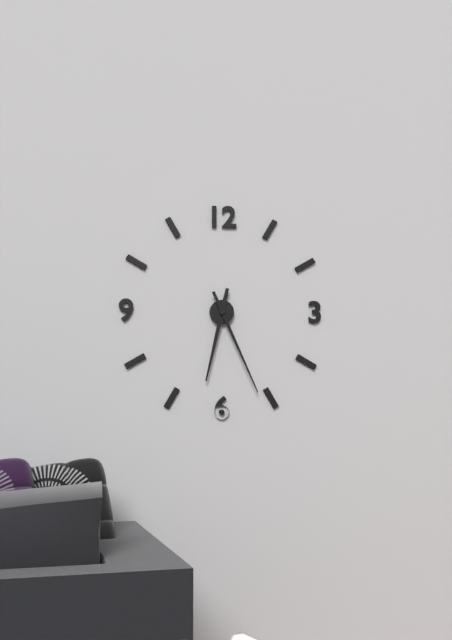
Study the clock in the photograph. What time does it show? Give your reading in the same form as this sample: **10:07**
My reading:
**6:26**
